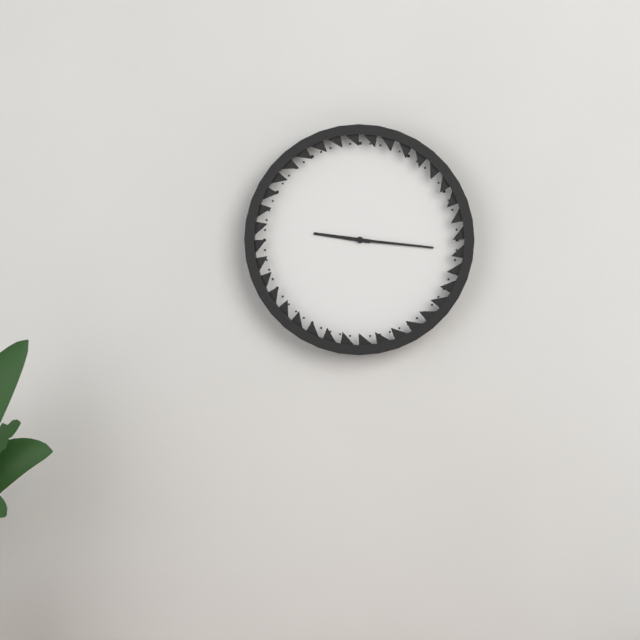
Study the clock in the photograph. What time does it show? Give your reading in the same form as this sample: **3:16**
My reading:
**9:16**
